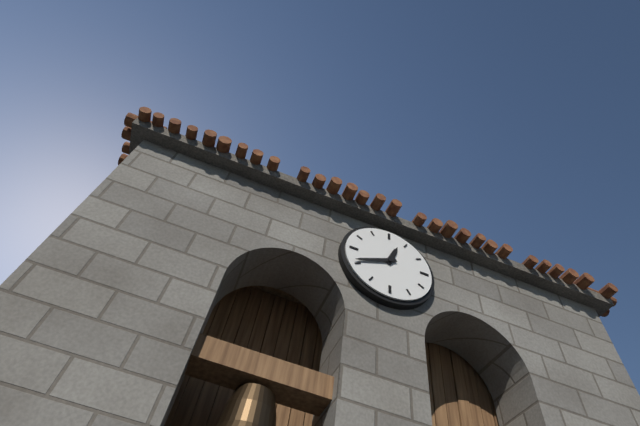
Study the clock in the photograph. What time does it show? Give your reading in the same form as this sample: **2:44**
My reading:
**12:41**
